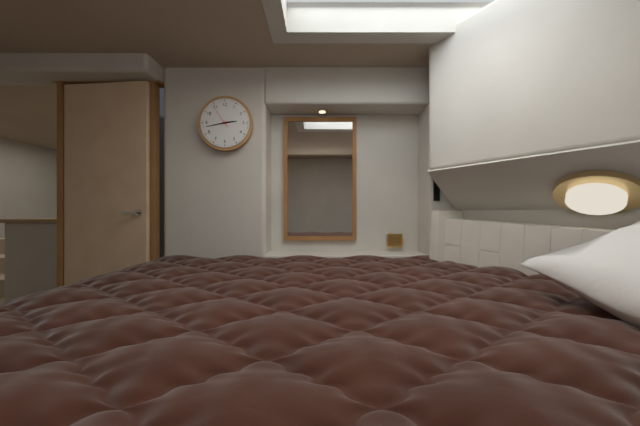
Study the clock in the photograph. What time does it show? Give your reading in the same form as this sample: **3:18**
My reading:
**2:43**
